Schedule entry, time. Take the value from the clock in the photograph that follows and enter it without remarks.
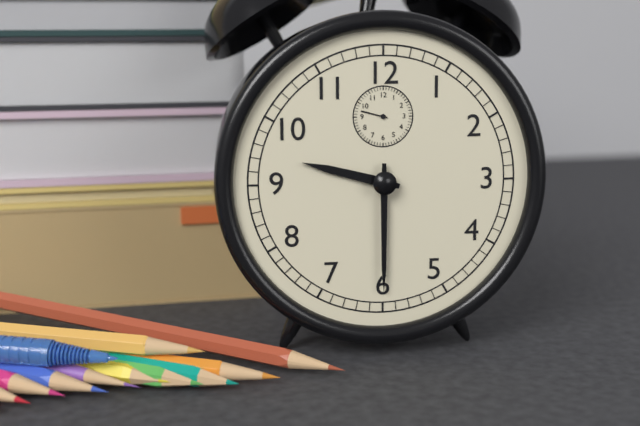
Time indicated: 9:30
